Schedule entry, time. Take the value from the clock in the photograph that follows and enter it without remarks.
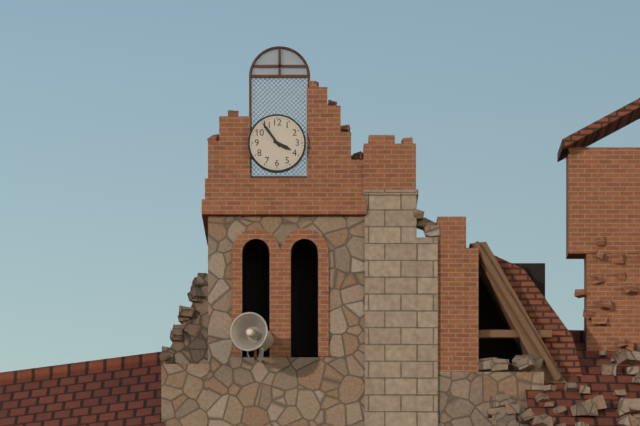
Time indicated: 3:54
